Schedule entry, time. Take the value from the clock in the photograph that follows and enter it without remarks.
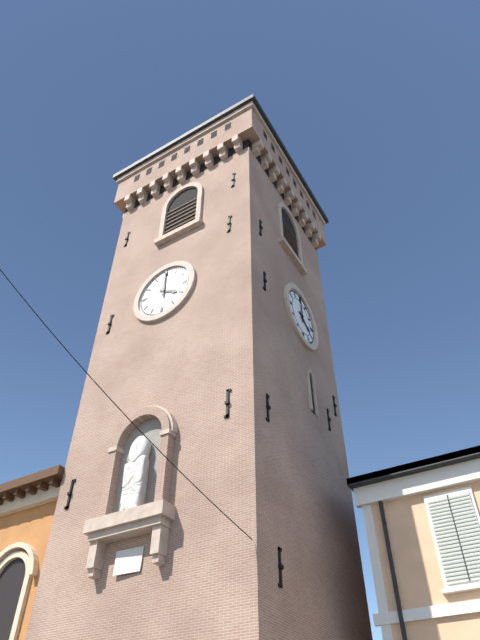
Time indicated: 4:00
